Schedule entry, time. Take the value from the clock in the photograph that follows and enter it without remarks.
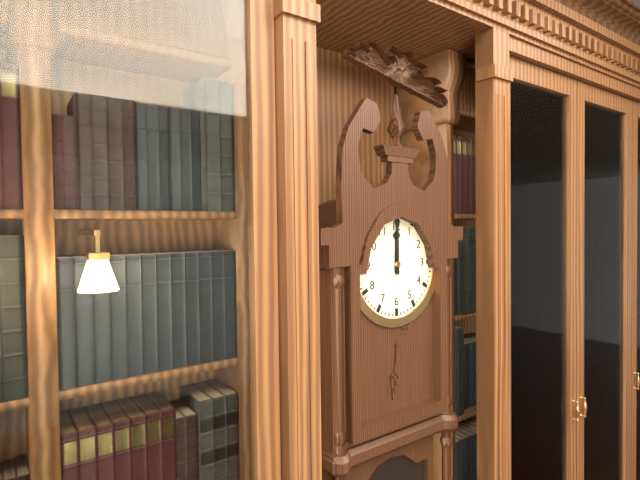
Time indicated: 12:00
